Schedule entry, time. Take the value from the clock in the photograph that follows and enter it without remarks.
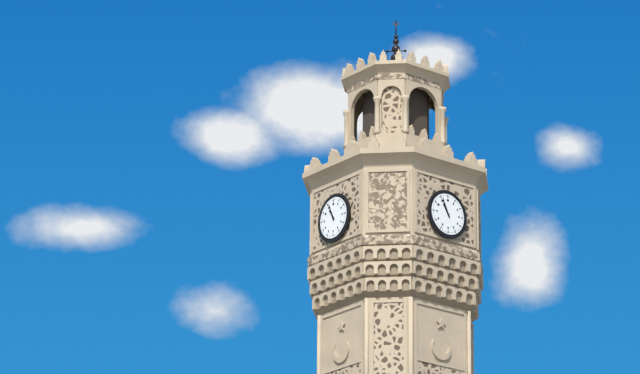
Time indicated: 10:56
